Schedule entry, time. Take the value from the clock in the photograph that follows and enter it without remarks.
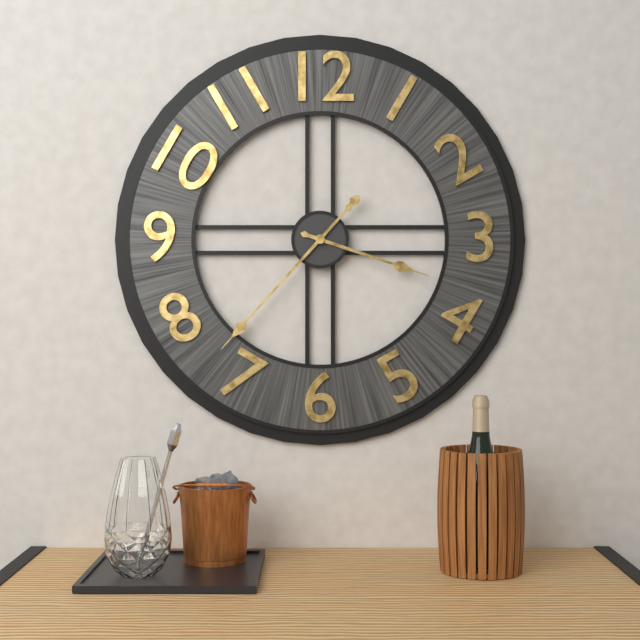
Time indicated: 3:37
